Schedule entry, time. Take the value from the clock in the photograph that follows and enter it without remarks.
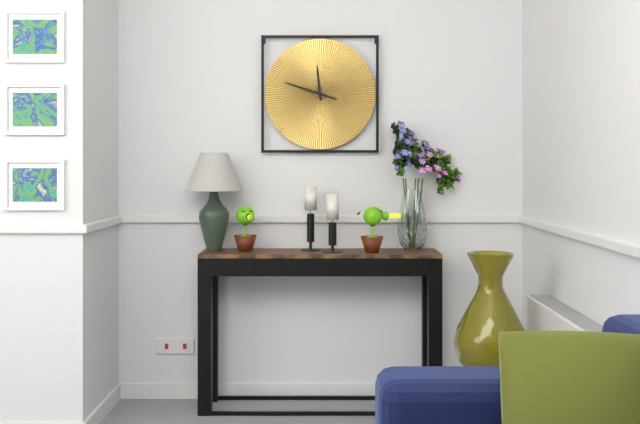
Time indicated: 11:48
